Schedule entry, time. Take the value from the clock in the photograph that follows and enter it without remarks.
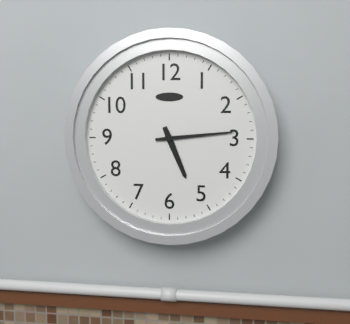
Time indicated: 5:14
